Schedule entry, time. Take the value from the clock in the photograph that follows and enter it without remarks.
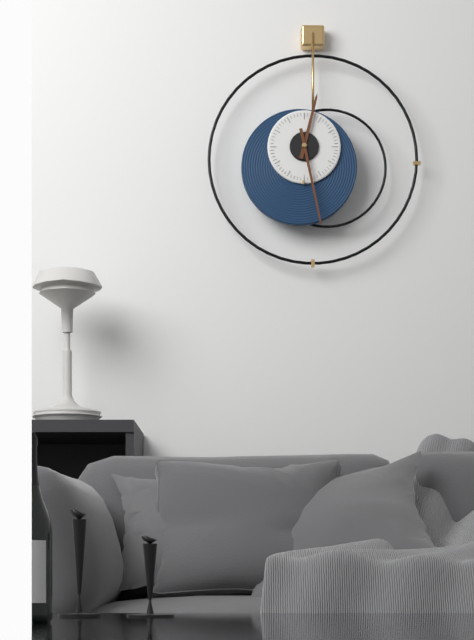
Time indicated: 12:28
